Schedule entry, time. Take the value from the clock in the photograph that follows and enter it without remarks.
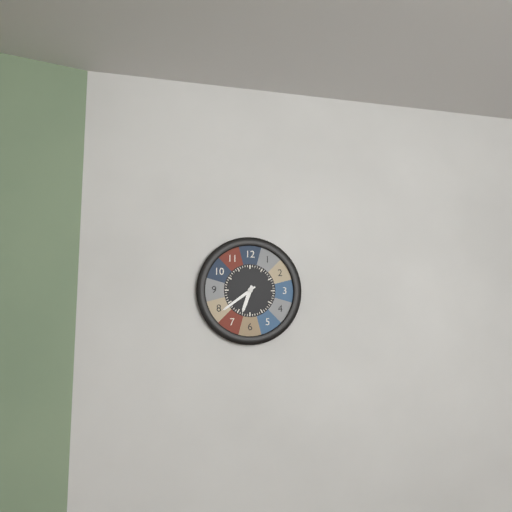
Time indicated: 6:39
